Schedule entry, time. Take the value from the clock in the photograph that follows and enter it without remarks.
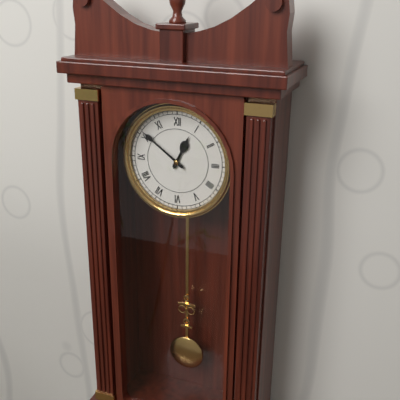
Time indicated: 12:51
